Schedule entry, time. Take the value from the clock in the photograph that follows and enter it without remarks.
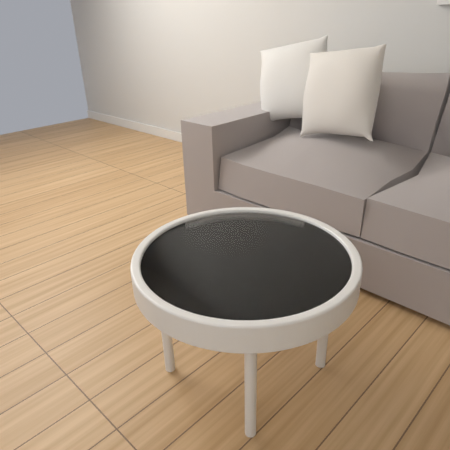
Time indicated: 9:57
